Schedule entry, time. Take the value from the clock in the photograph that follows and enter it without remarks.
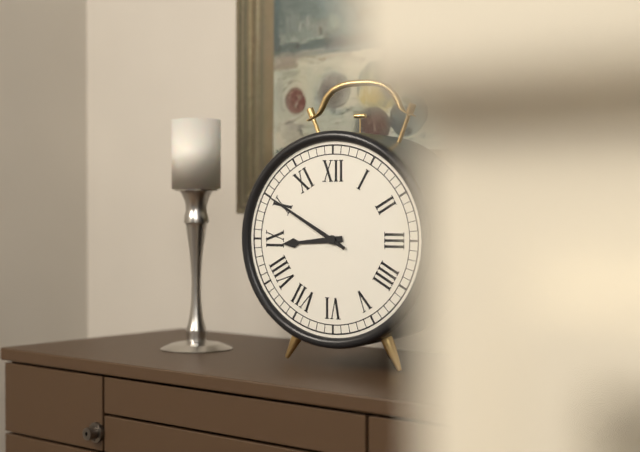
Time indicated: 8:50
